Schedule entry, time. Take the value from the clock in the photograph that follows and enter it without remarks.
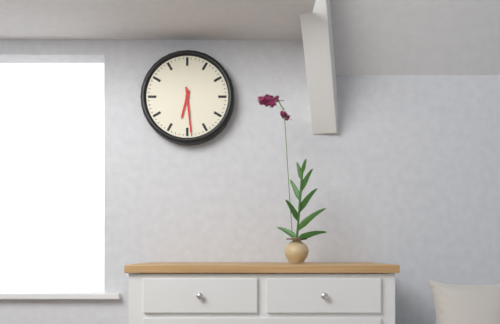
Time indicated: 6:29
